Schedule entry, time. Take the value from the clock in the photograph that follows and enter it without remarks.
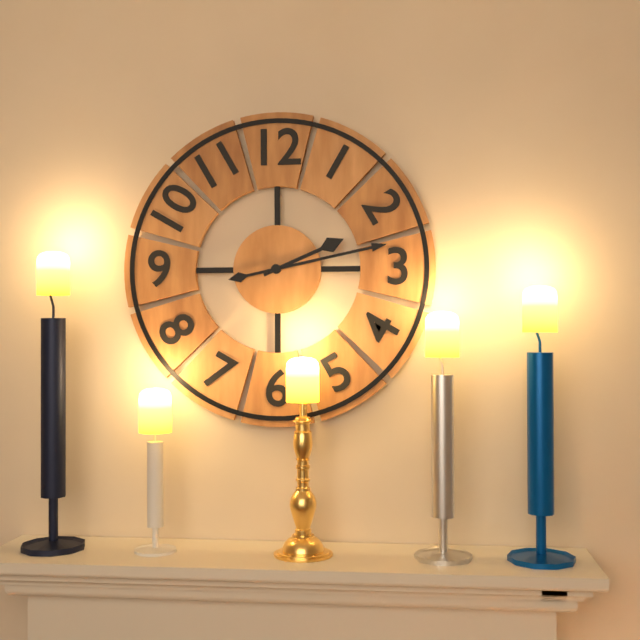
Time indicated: 2:13
